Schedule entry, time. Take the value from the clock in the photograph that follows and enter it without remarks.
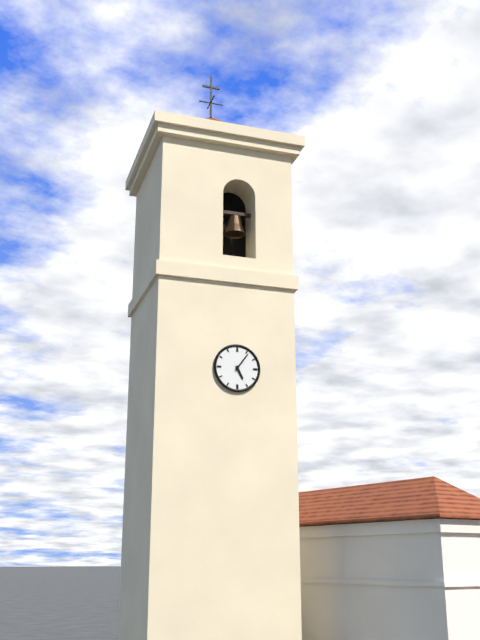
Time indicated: 5:06
